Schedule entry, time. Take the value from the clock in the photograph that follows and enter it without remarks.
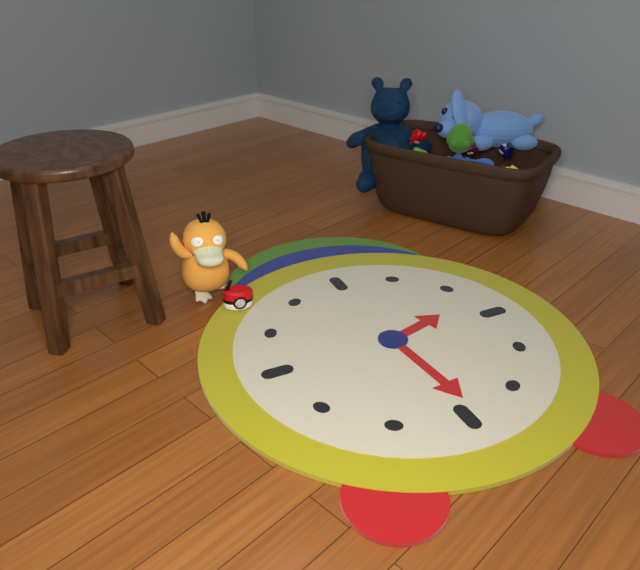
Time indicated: 2:29
